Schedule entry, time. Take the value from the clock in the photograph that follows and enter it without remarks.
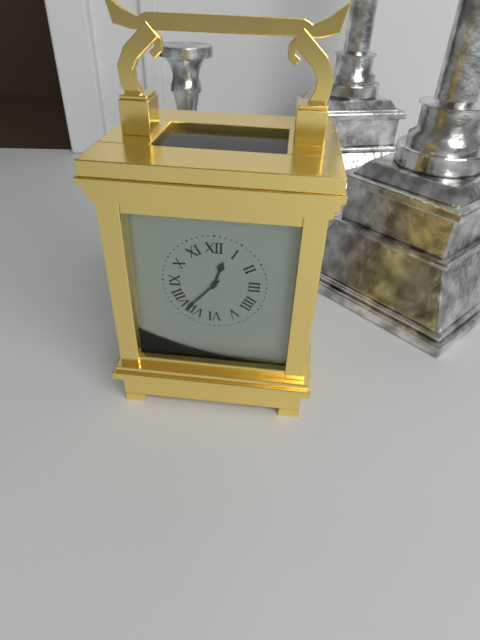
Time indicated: 12:37
